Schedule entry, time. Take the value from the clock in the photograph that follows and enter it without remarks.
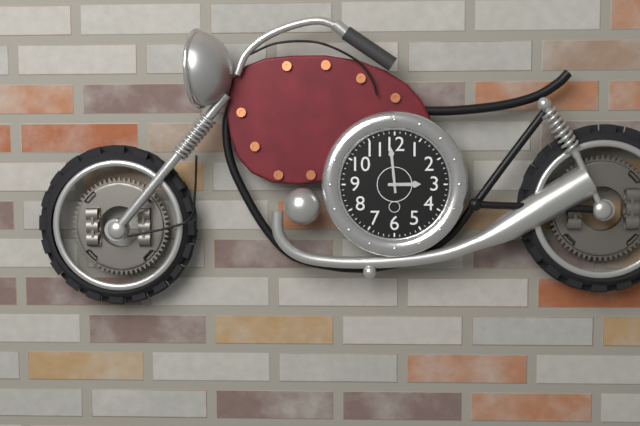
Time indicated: 2:59
